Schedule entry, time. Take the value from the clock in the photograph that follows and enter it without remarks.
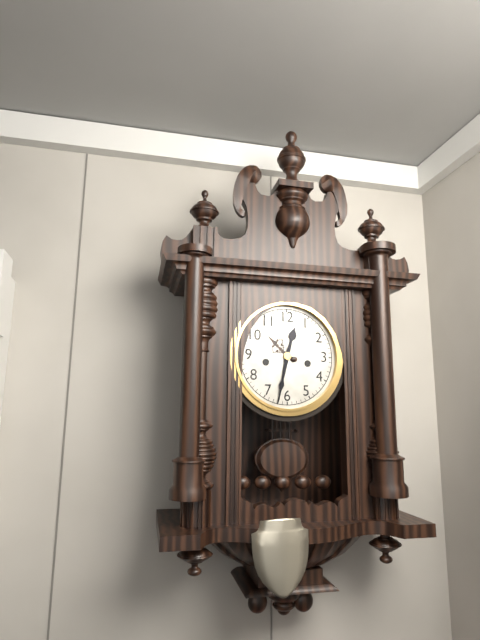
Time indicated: 12:32
